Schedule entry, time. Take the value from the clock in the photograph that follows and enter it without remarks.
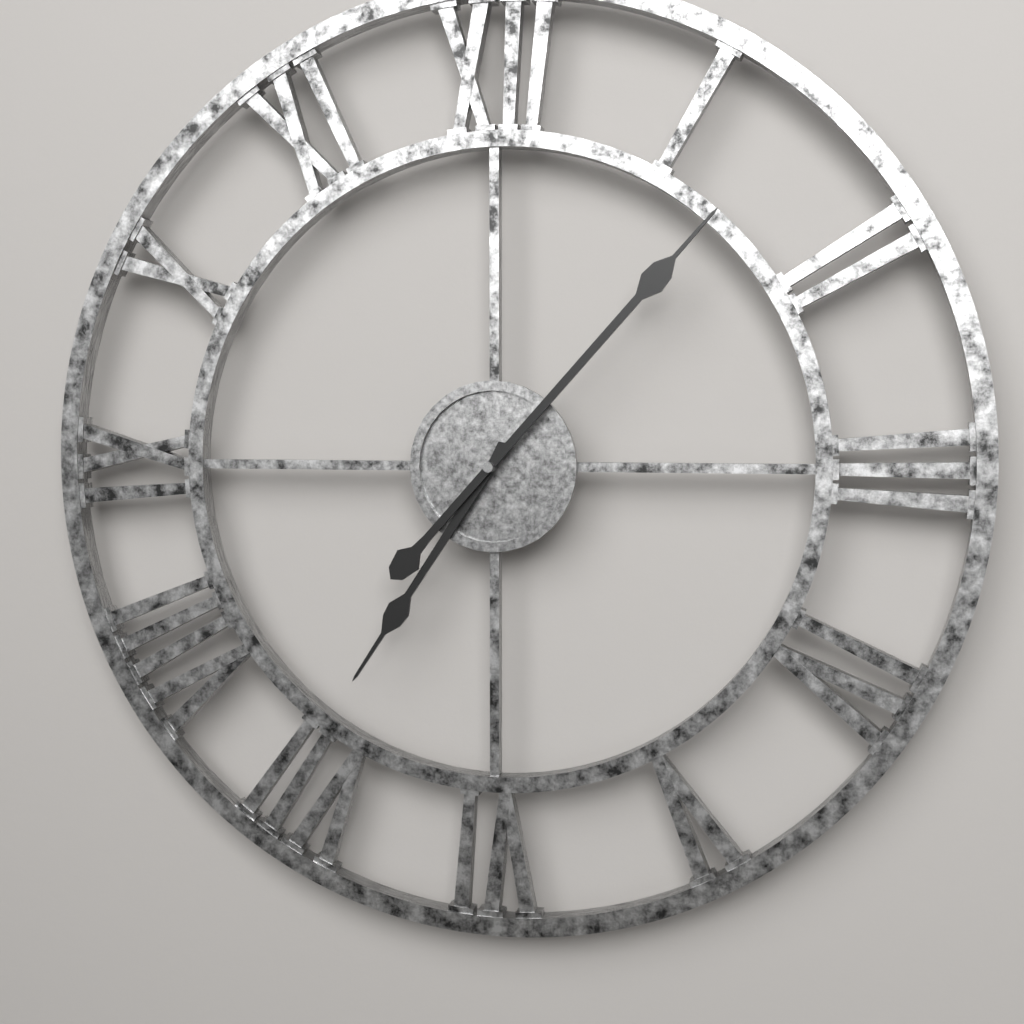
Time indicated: 7:07
